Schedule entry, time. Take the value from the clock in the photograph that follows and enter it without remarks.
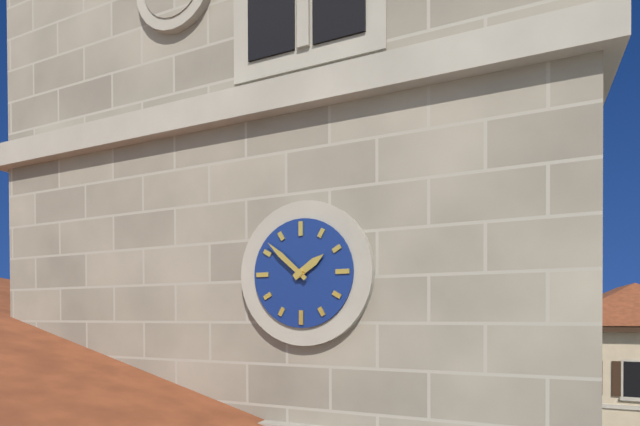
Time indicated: 1:52
